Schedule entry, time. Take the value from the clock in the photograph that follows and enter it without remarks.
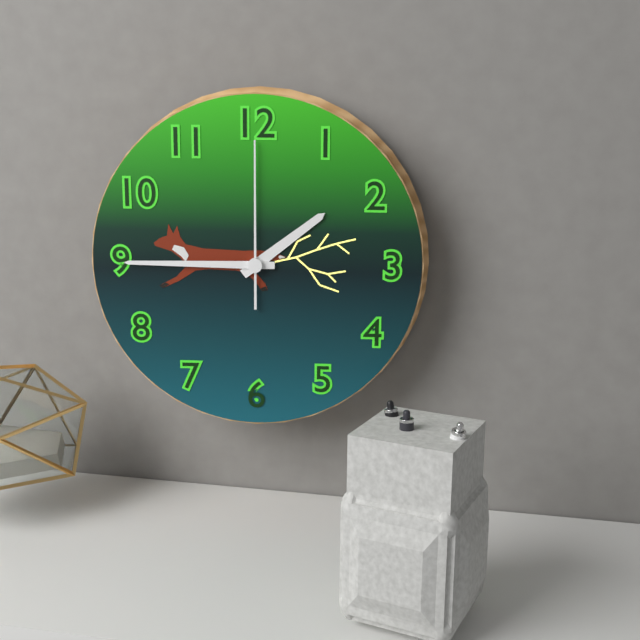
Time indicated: 1:45:00
